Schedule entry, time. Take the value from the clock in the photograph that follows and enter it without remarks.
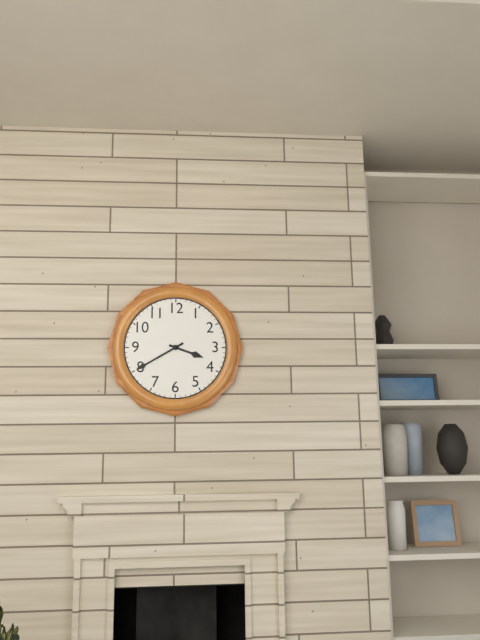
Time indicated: 3:40
